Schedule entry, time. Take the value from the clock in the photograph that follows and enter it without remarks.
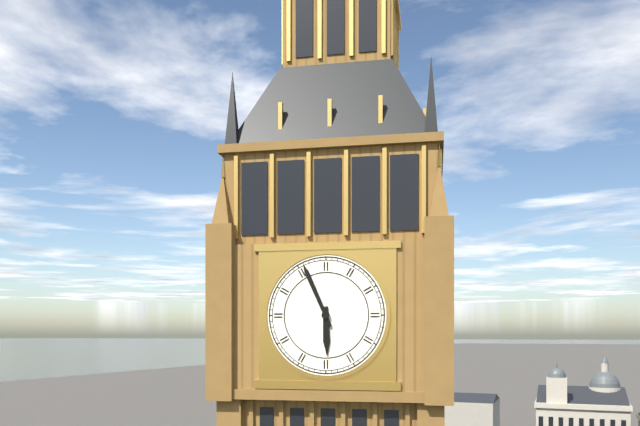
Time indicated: 5:56
